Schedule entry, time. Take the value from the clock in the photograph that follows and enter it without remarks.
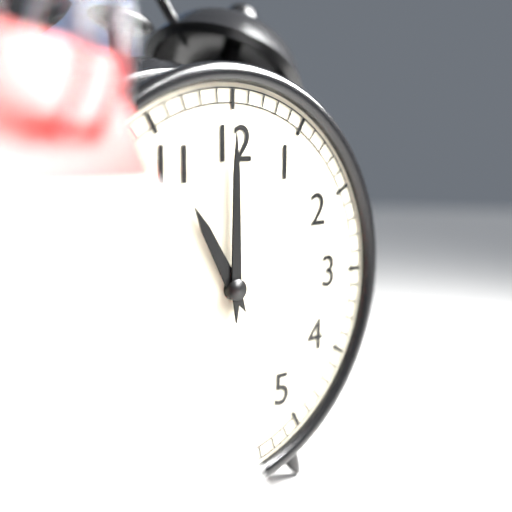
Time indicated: 11:00
